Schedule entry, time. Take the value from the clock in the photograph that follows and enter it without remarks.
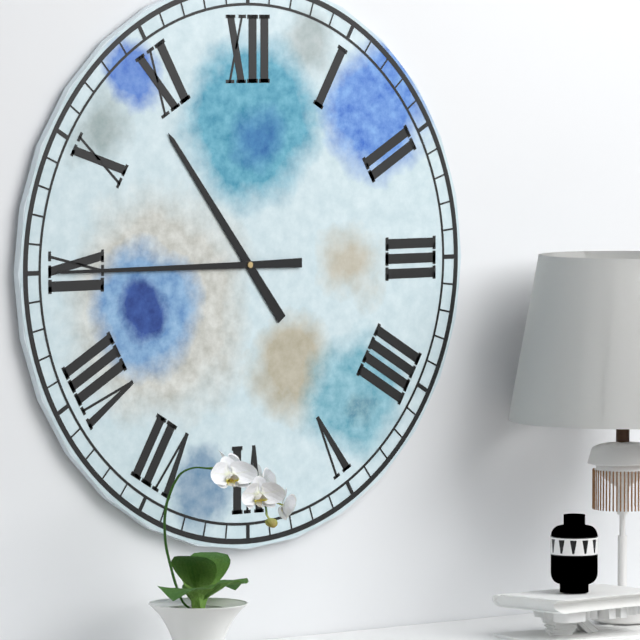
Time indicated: 10:45
